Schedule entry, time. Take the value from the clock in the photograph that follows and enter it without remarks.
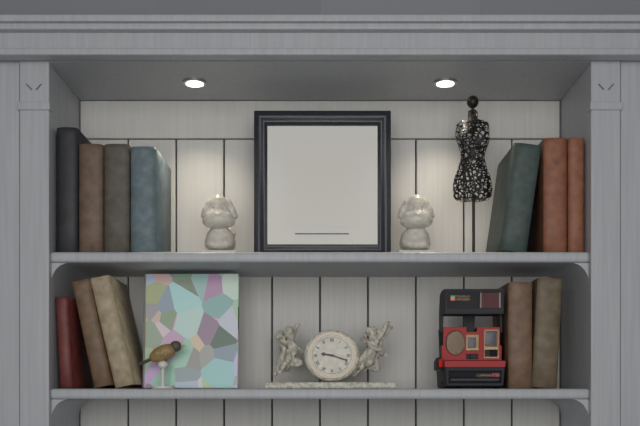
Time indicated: 9:18
